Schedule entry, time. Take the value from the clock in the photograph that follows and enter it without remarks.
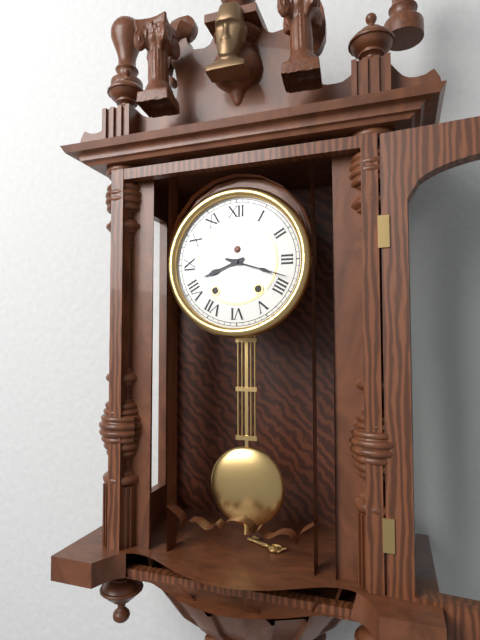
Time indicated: 8:18
